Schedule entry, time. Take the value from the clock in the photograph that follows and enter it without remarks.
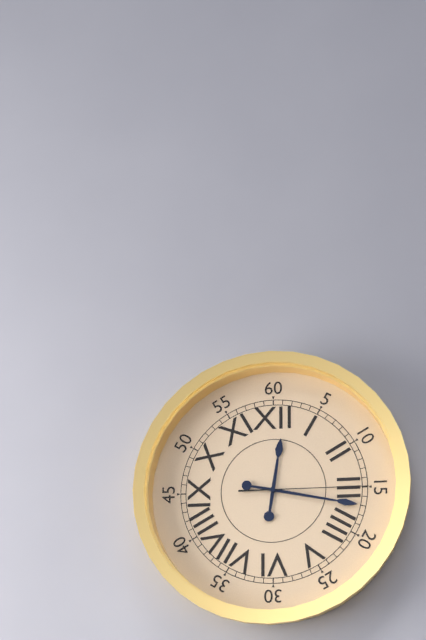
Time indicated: 12:17:15
